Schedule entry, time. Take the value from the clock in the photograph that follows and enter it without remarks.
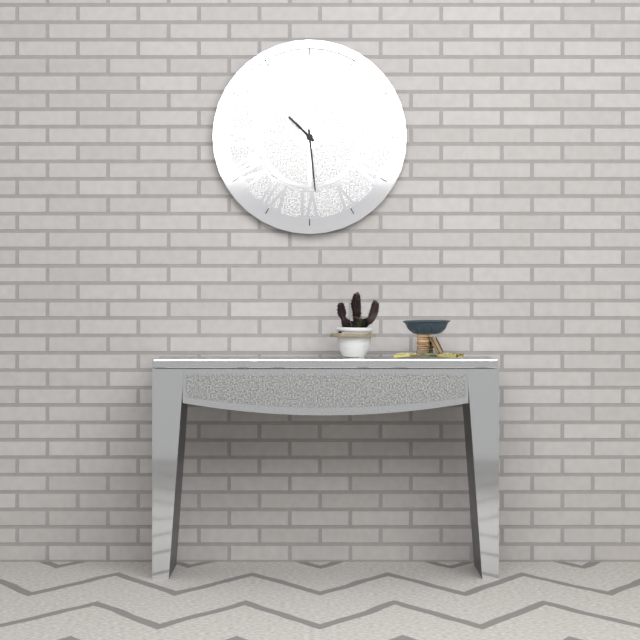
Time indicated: 10:29
